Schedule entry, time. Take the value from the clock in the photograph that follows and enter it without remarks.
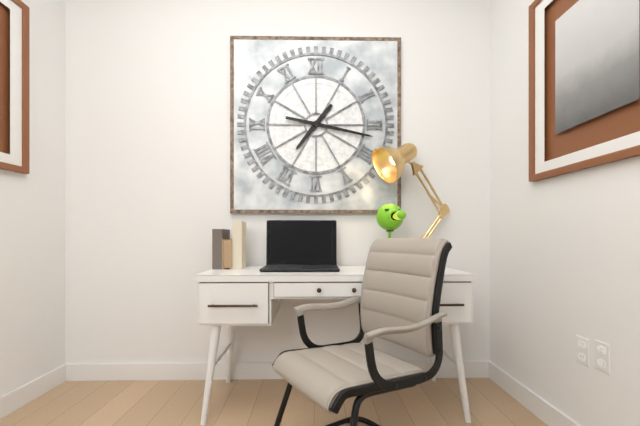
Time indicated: 7:17
